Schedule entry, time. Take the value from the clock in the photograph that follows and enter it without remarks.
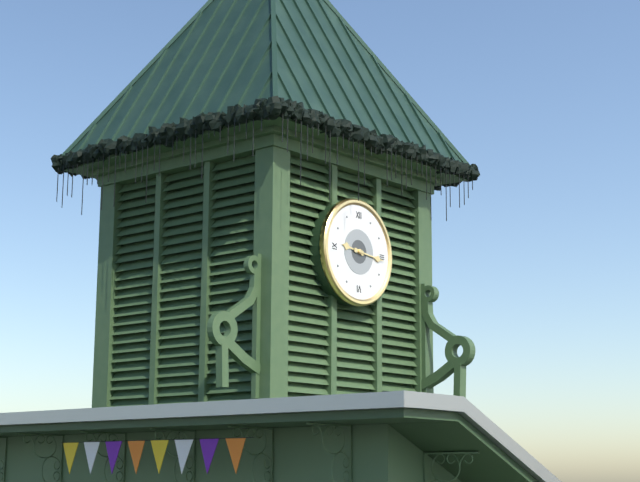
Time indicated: 9:16
